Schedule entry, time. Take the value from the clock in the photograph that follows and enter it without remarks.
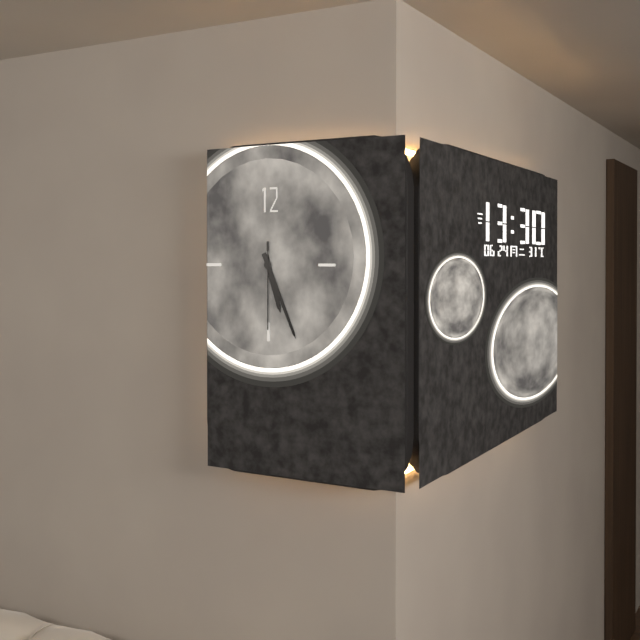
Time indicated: 5:26:30
